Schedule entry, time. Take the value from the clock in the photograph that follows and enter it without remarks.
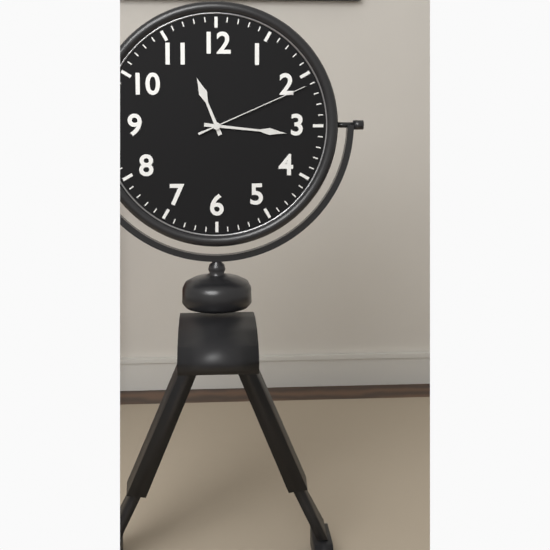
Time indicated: 11:16:11
